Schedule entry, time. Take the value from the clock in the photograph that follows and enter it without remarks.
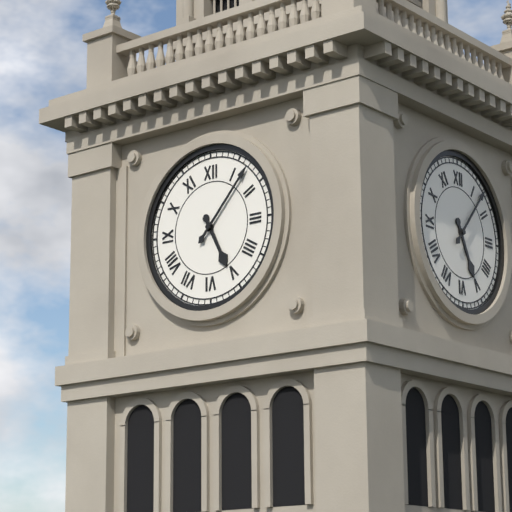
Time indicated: 5:07
